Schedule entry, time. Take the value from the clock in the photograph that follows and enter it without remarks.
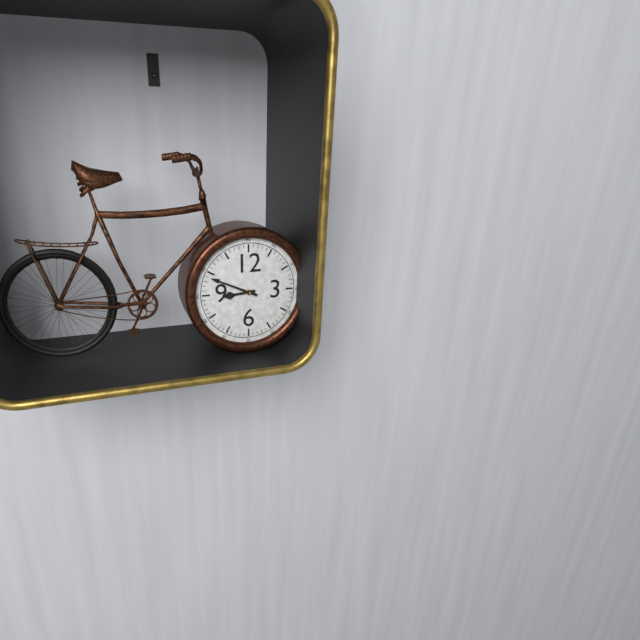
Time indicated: 8:49
